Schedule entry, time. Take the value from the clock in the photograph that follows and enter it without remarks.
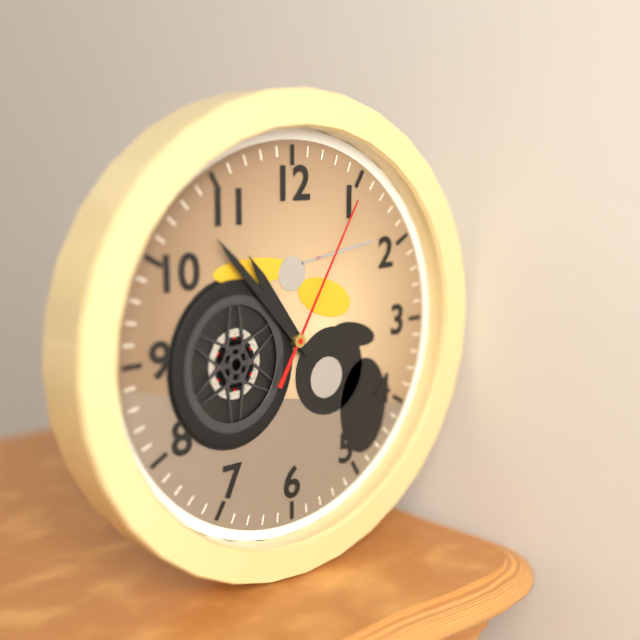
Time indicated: 10:53:05
